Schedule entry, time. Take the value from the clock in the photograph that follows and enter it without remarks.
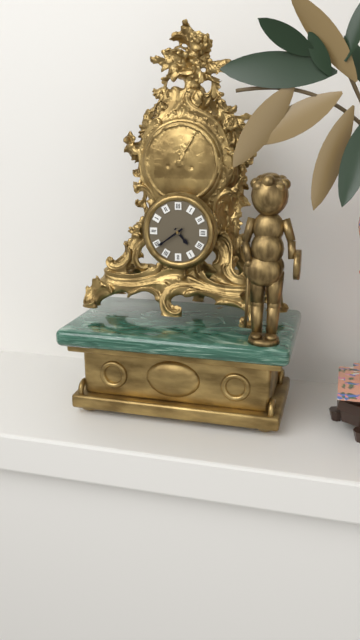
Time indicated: 4:39
